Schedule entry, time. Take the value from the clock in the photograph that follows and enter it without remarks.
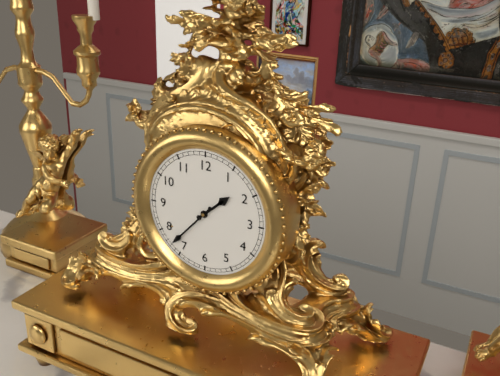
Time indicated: 1:37
